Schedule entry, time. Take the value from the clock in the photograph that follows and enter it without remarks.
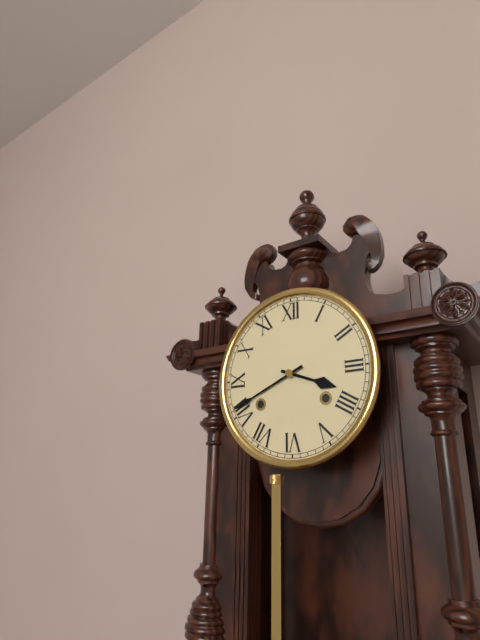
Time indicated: 3:41
